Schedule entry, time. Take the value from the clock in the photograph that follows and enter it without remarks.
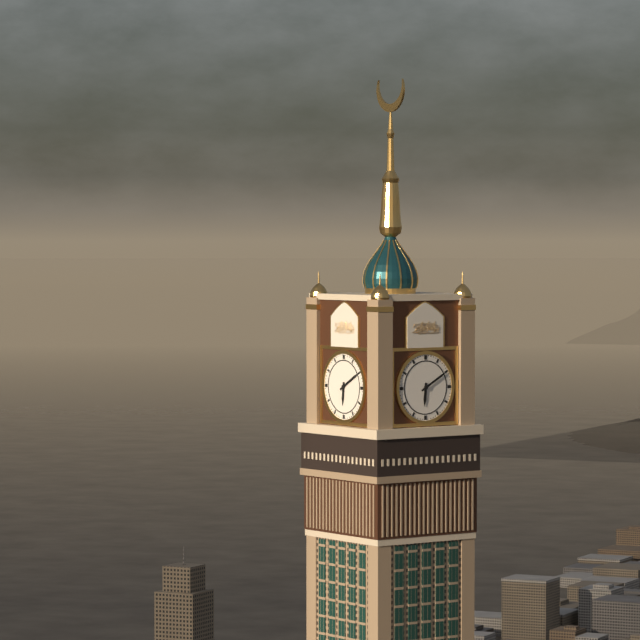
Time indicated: 6:10
